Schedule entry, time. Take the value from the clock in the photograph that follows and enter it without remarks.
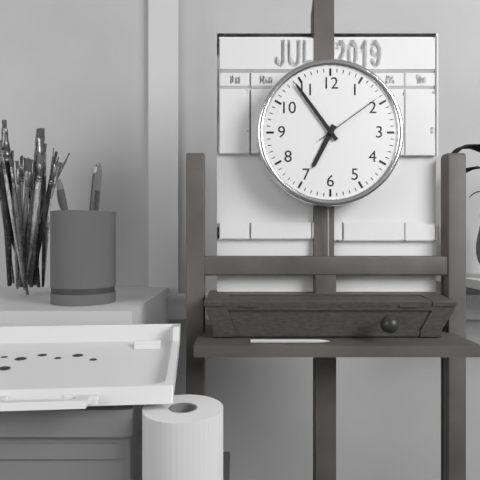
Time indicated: 6:54:09
